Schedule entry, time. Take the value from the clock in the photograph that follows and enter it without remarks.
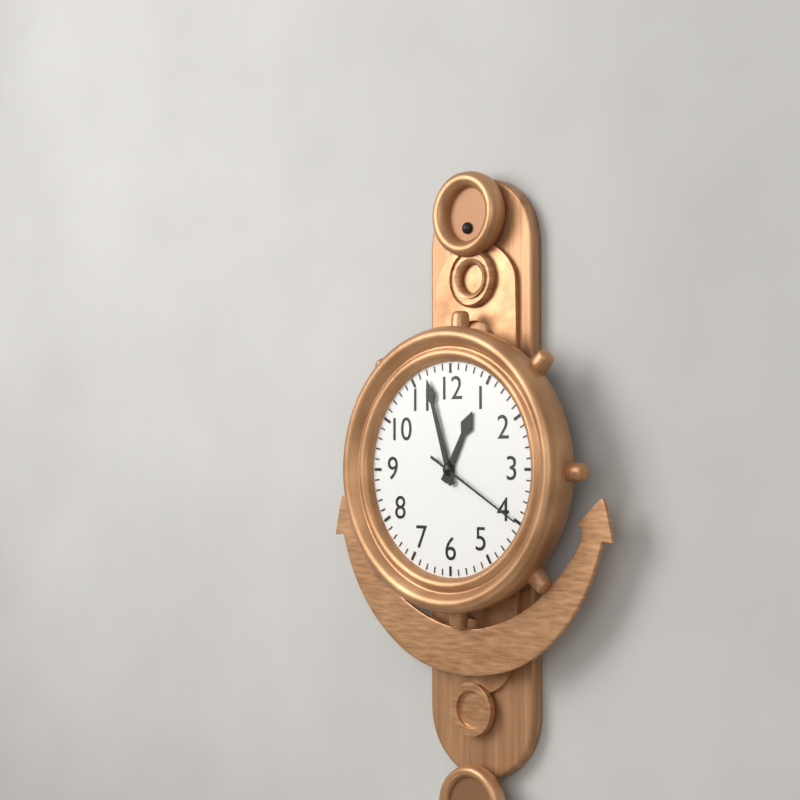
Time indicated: 12:57:20
